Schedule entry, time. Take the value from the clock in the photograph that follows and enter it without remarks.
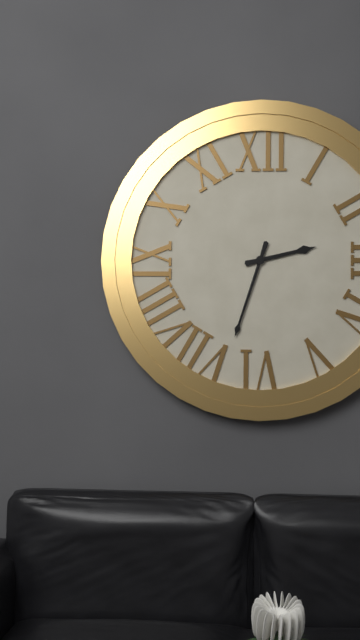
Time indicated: 2:33
